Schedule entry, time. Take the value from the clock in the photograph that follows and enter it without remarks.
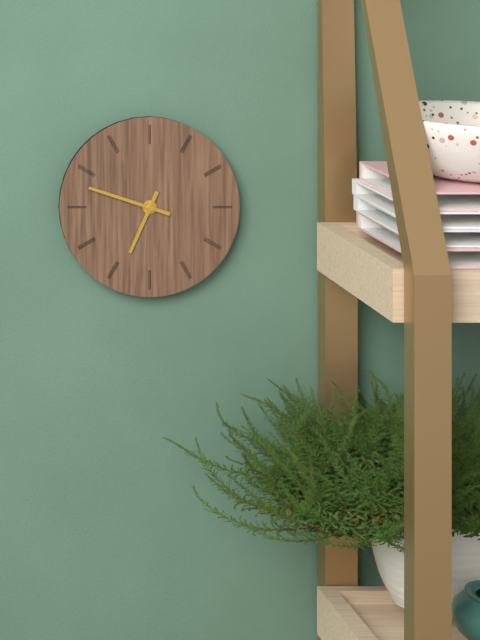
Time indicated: 6:48
